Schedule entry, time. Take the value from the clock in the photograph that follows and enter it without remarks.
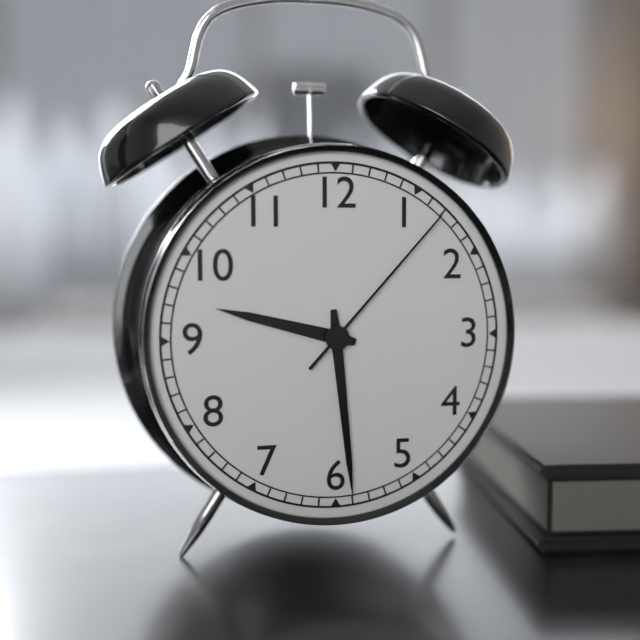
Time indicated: 9:29:07
